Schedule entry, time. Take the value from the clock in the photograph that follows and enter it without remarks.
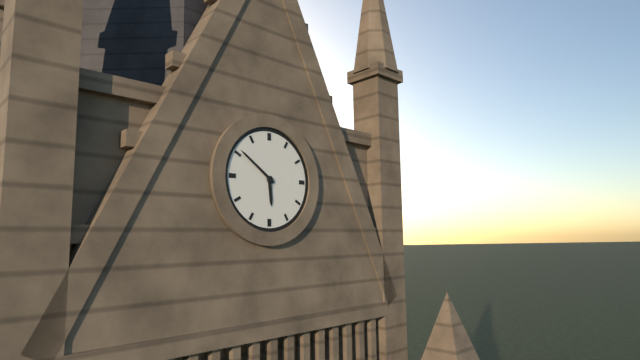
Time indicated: 5:51
